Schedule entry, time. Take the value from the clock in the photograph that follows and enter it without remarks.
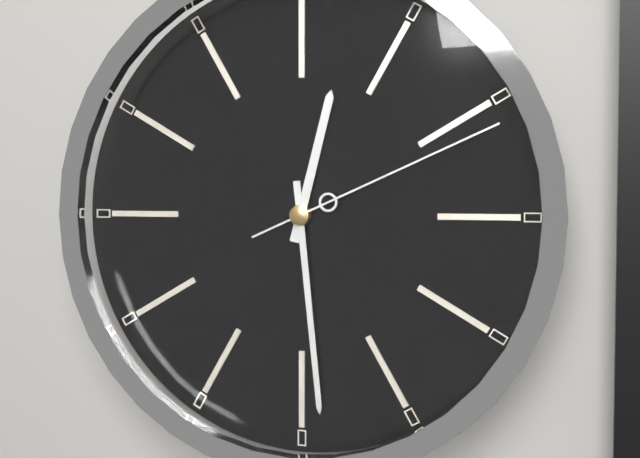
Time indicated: 12:29:11
